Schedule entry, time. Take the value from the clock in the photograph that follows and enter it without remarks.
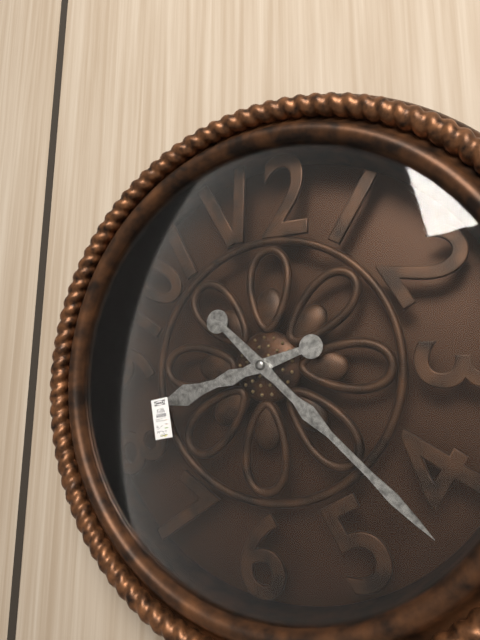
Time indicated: 8:22
